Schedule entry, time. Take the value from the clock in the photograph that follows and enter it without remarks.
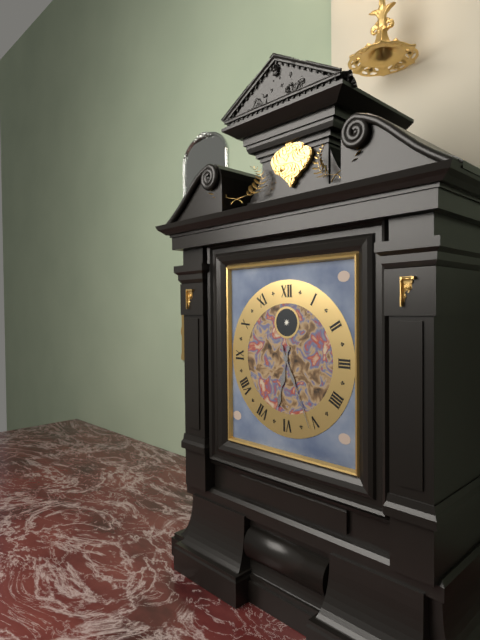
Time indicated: 6:26
